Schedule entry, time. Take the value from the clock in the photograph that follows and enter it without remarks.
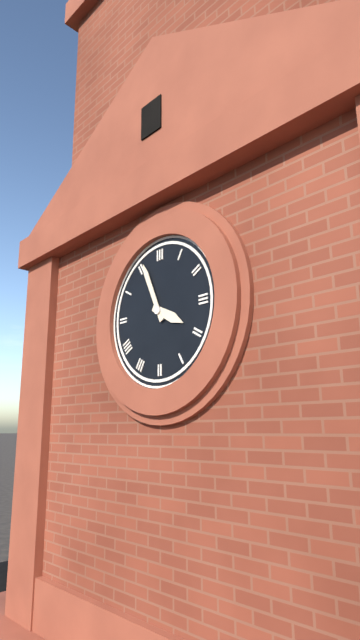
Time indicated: 3:56
